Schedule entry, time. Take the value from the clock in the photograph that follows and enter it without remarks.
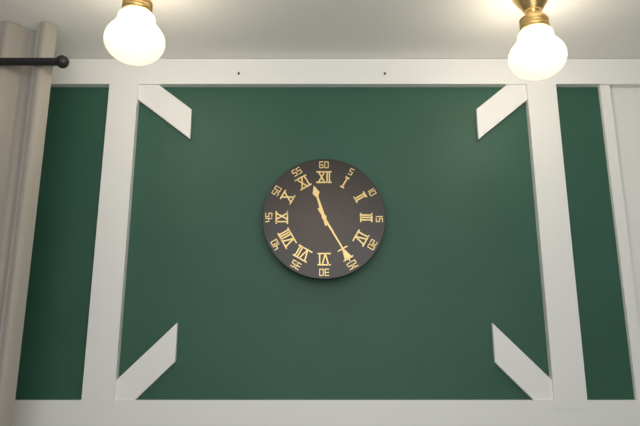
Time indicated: 11:25
